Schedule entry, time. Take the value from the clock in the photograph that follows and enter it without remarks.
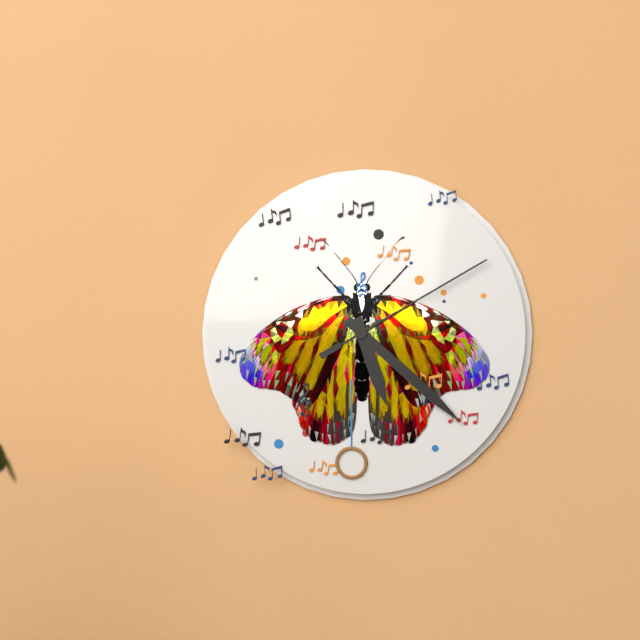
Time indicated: 5:22:10
